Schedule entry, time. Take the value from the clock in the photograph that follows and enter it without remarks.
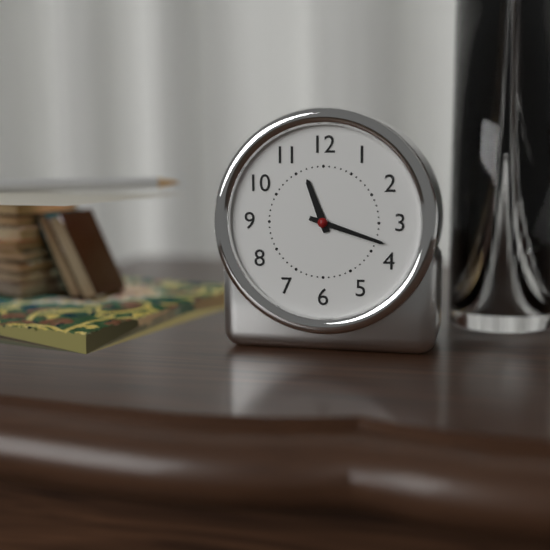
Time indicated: 11:18
